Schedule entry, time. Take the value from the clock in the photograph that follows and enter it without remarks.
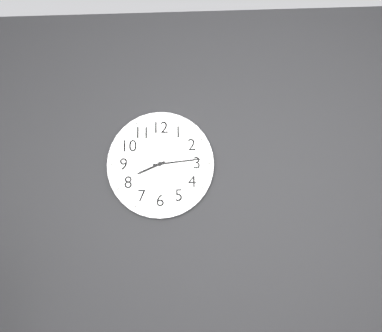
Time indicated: 8:14
